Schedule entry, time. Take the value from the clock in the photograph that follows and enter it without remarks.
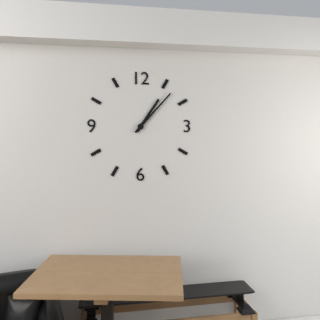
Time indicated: 1:07
